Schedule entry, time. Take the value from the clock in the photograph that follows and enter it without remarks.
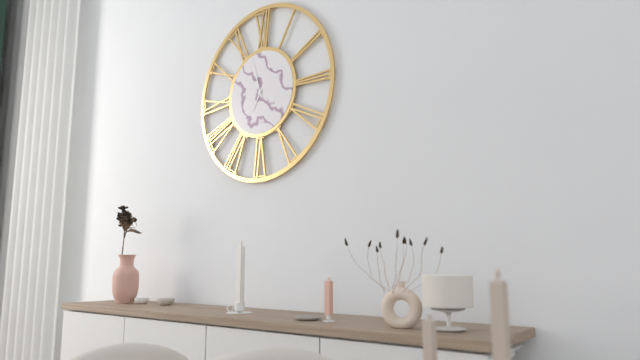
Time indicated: 6:57
